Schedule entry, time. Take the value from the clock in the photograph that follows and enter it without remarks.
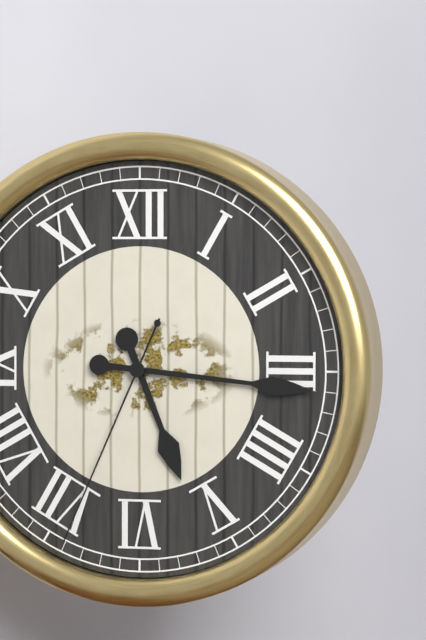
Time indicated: 5:16:34
